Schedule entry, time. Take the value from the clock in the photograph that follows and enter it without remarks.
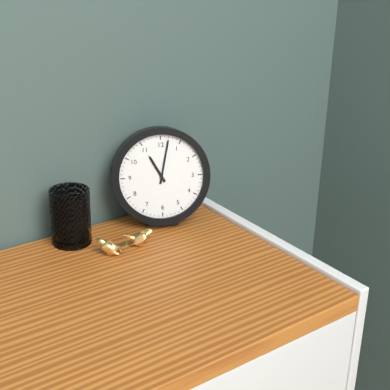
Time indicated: 11:02
